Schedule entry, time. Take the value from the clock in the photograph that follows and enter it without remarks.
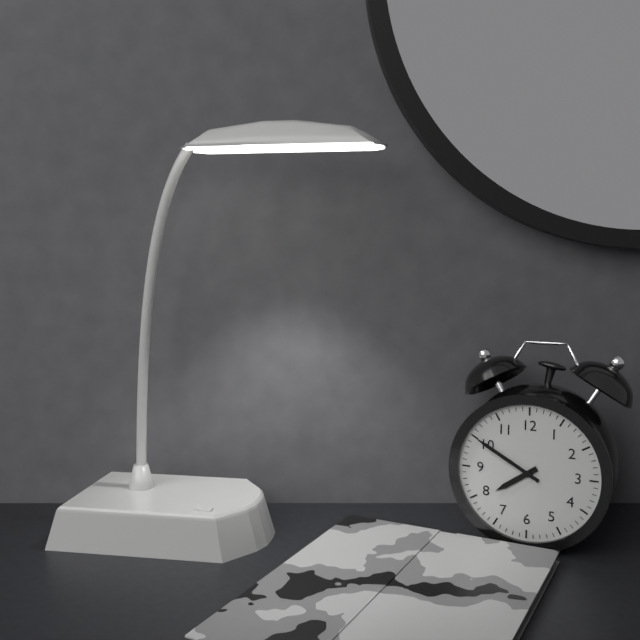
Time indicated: 7:50
